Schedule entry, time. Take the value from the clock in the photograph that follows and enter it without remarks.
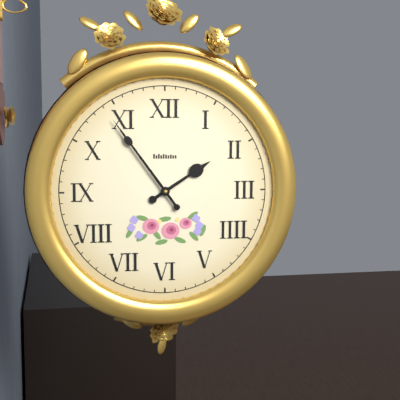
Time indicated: 1:54
